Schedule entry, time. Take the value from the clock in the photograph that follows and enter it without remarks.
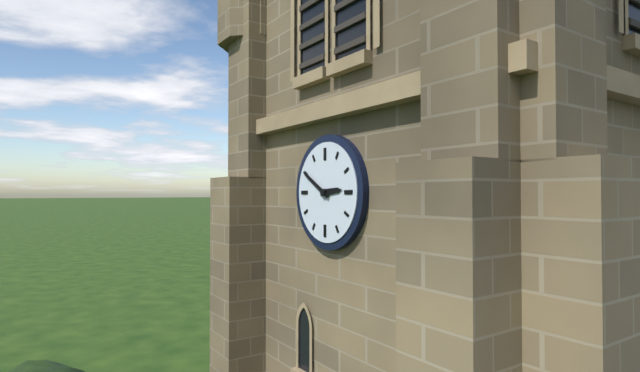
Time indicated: 2:50
